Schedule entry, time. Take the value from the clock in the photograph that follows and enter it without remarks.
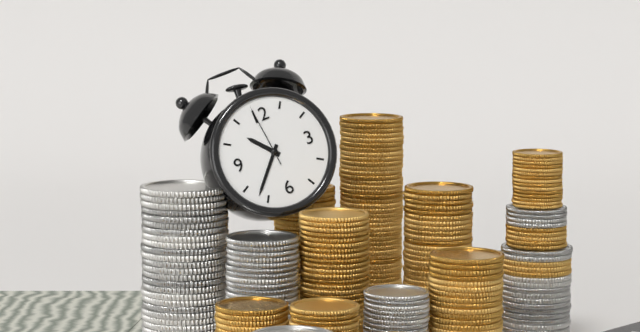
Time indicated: 10:37:59
